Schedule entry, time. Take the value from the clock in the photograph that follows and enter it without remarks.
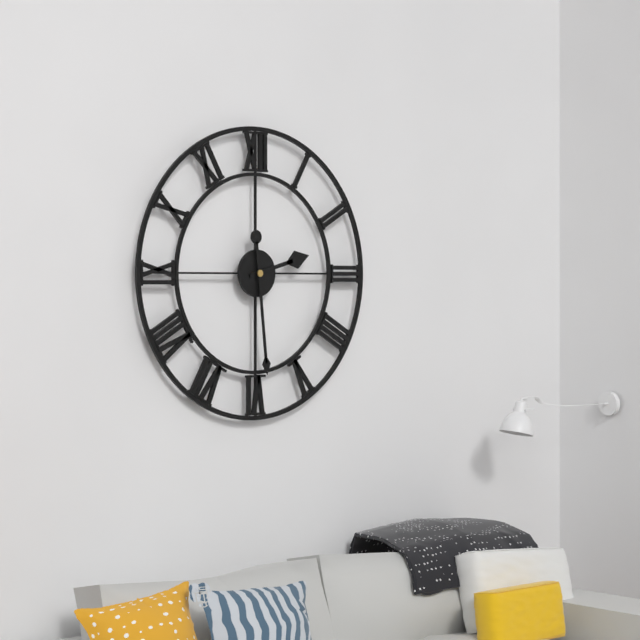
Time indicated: 2:29
